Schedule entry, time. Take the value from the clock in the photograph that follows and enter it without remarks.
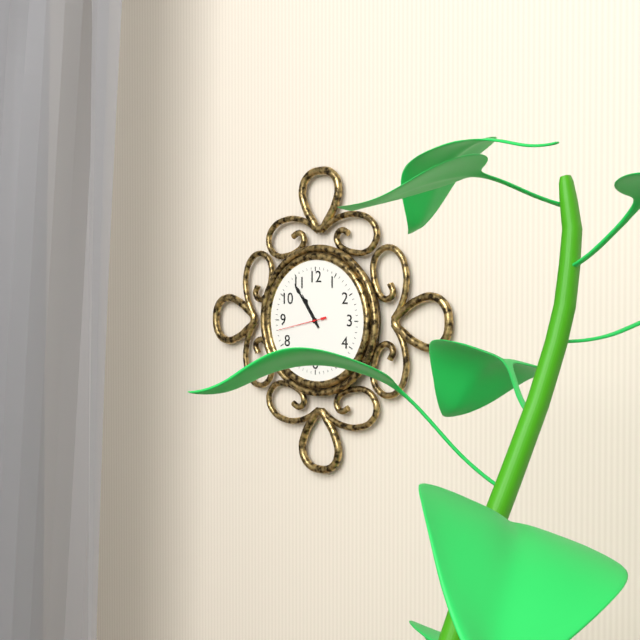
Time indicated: 10:54
